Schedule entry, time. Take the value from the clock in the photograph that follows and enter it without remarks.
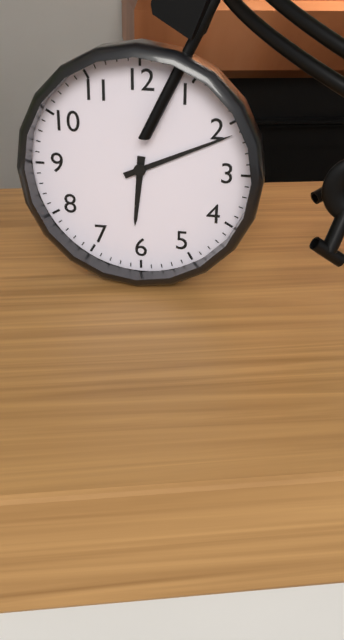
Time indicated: 6:11
